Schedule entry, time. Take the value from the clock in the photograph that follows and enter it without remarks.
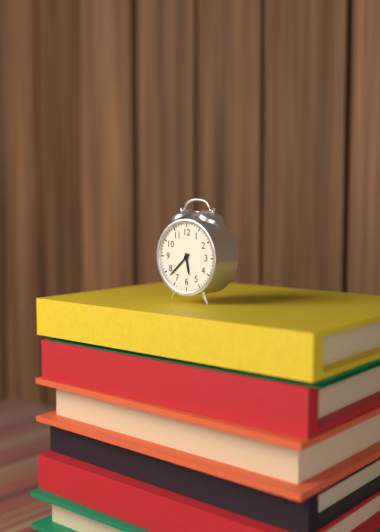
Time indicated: 5:38
